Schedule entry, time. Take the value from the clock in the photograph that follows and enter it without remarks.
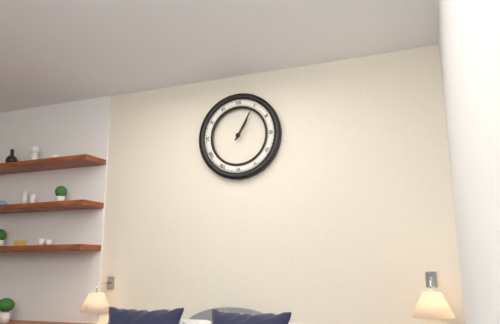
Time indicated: 1:05
